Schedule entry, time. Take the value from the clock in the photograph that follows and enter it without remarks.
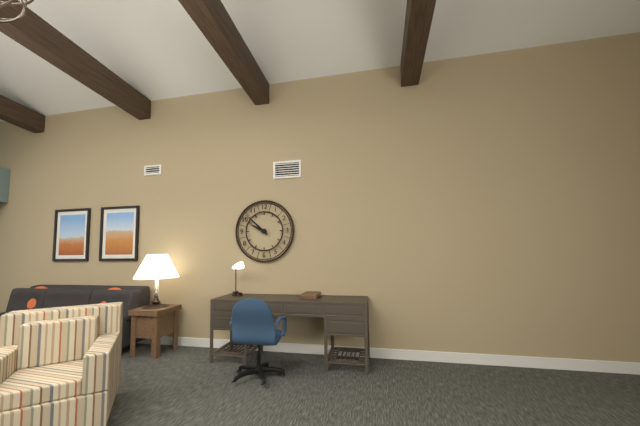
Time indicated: 9:52
